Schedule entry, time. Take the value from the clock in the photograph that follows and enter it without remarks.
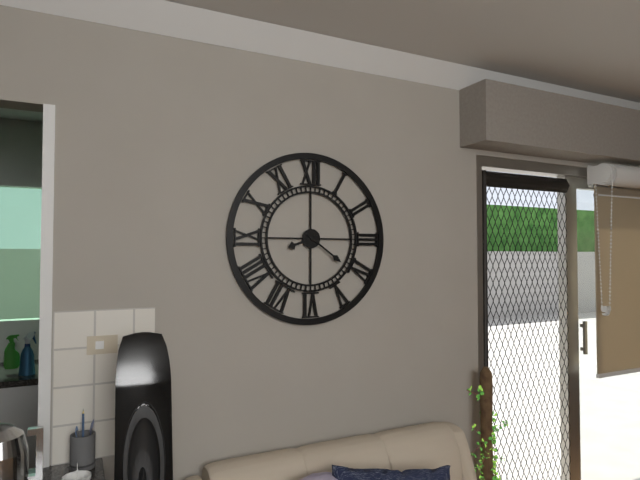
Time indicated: 8:21
